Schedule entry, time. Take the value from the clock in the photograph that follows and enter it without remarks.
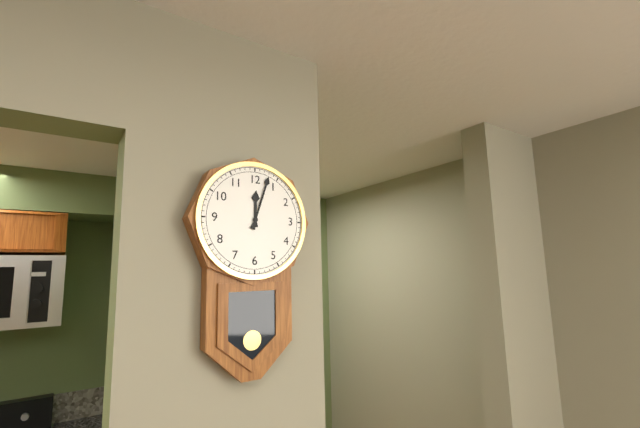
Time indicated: 12:03
